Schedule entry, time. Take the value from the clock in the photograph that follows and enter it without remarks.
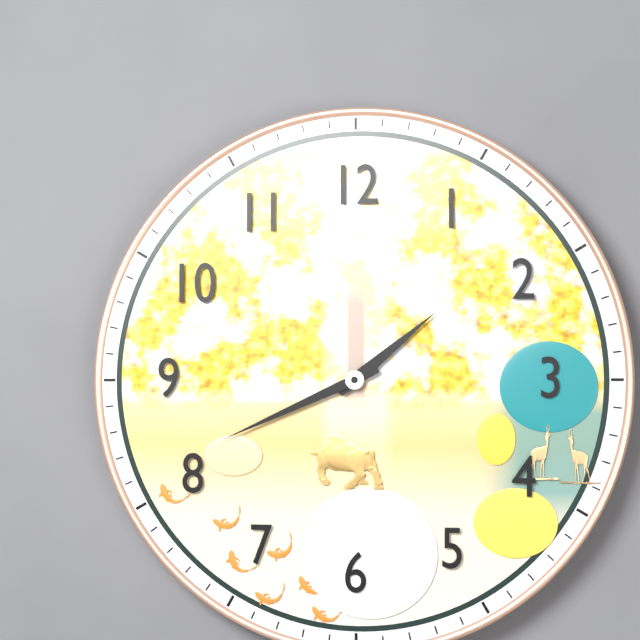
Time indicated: 1:41
